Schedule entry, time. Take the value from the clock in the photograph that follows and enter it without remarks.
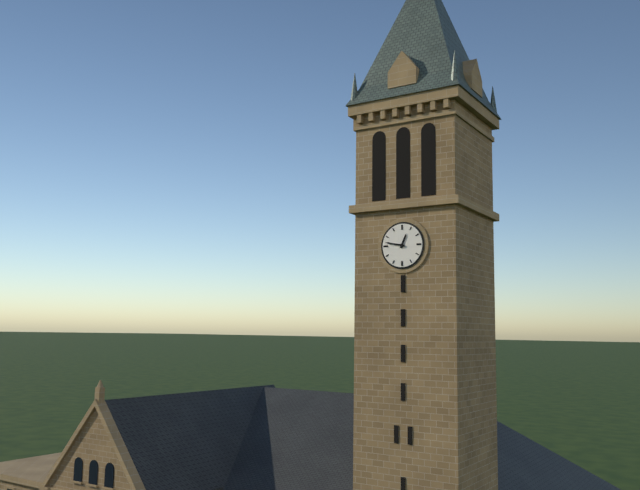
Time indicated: 12:47
